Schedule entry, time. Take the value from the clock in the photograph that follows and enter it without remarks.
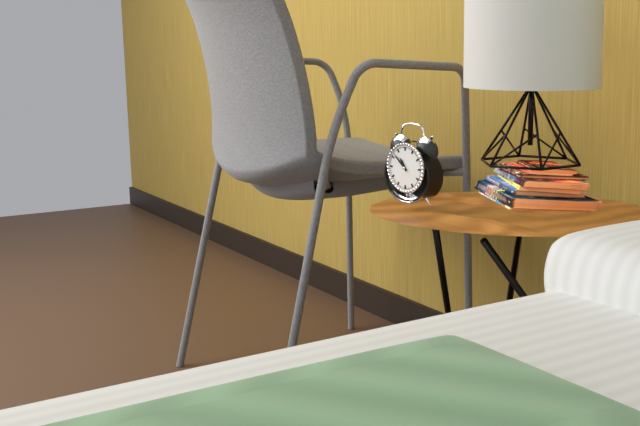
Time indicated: 10:52
